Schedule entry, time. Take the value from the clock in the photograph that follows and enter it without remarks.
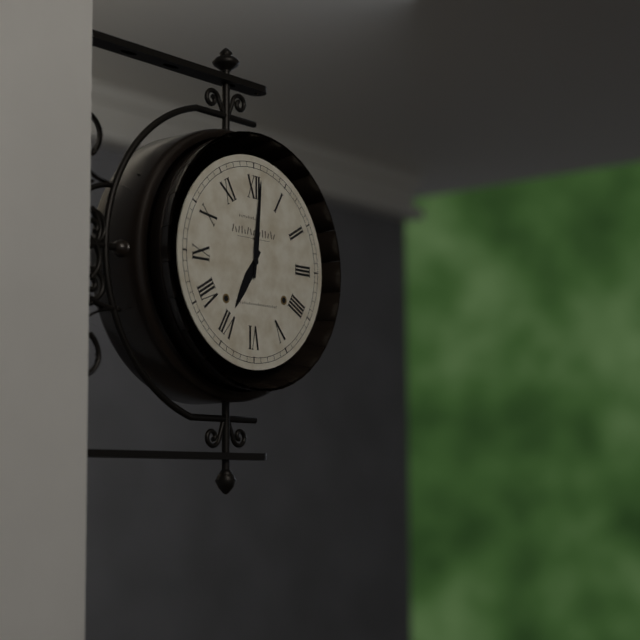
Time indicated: 7:01
